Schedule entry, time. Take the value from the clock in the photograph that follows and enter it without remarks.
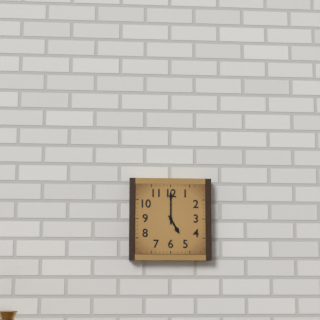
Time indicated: 5:00
